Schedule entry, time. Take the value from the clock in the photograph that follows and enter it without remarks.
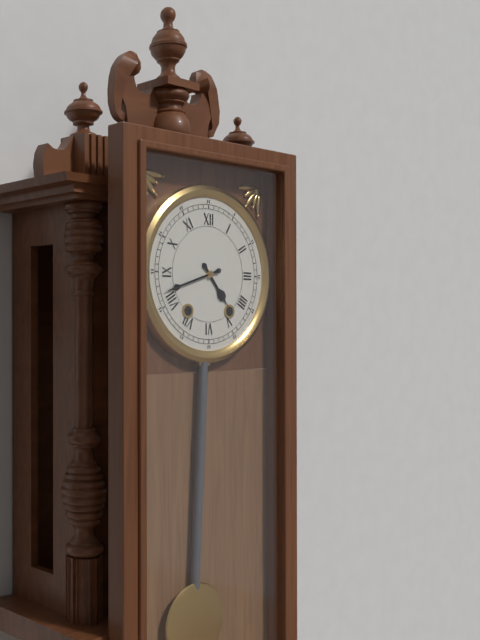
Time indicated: 4:42
